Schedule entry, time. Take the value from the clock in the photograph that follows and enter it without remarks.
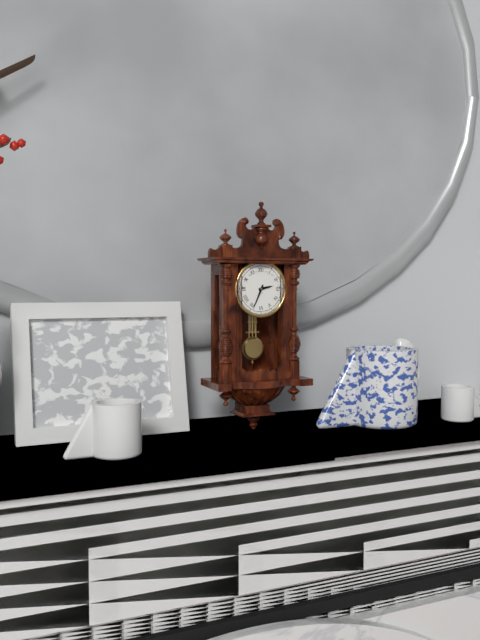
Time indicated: 2:34
